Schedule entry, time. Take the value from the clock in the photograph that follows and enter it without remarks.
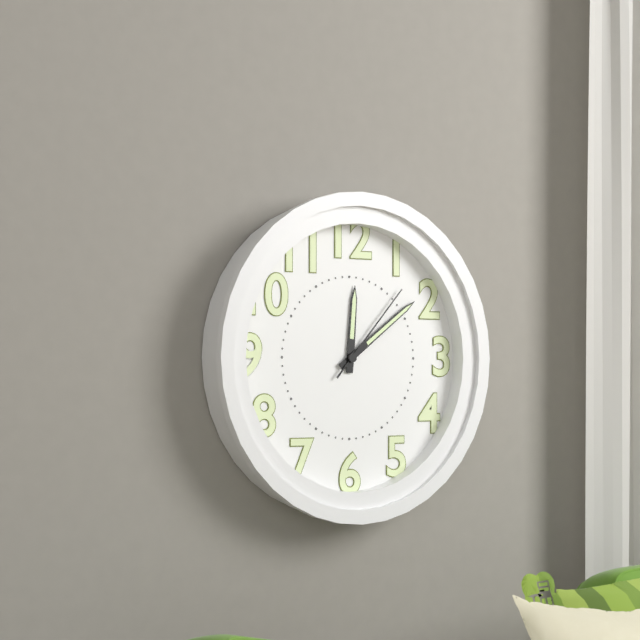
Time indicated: 12:09:07
